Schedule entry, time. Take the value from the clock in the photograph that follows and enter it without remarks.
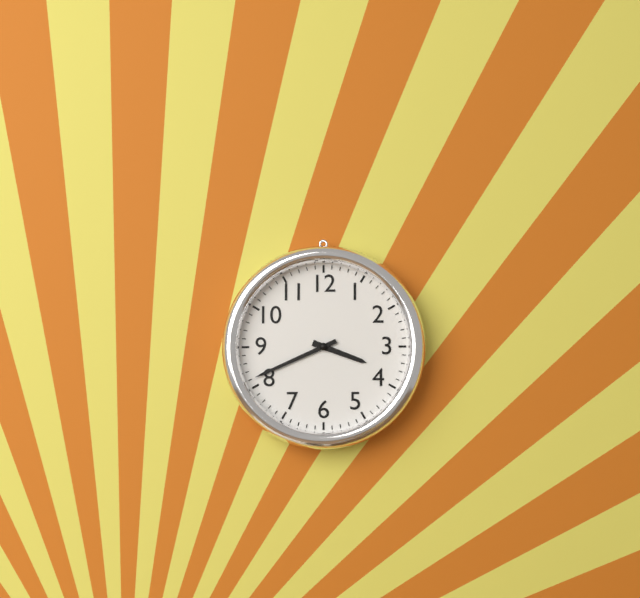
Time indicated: 3:41
